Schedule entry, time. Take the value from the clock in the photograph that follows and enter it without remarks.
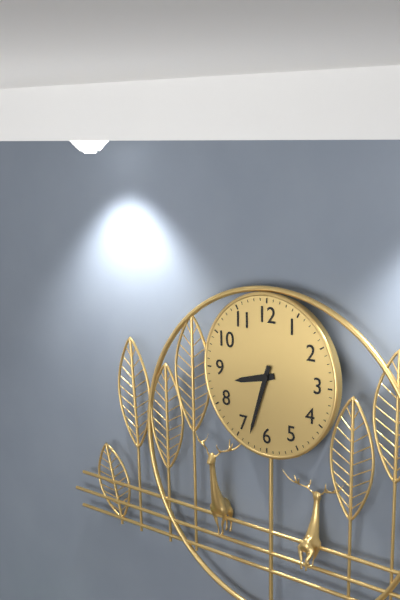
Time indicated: 8:33
